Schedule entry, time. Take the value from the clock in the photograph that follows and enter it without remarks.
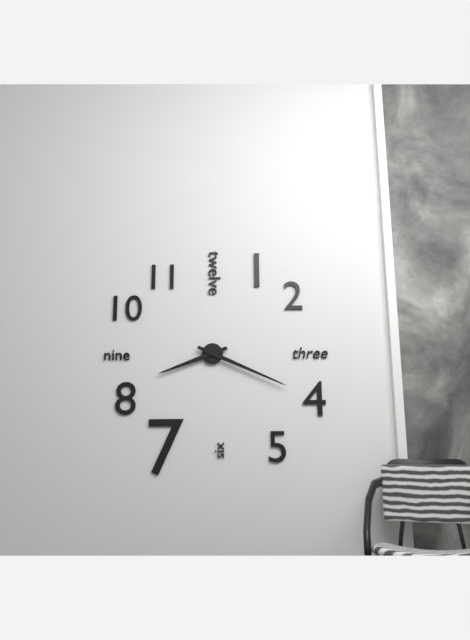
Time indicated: 8:19
